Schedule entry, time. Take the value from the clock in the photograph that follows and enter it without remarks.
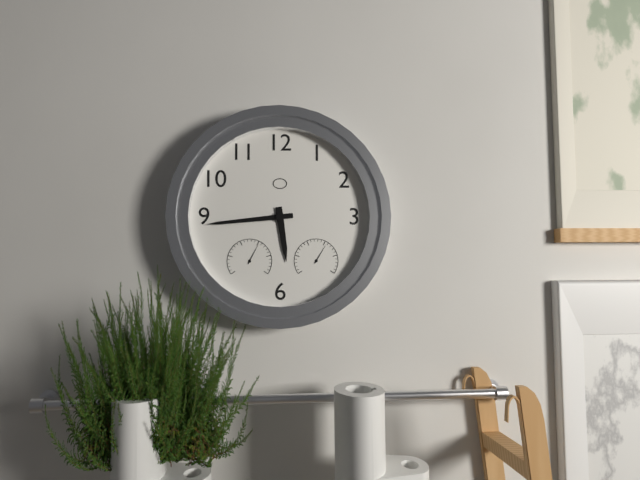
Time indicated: 5:44
